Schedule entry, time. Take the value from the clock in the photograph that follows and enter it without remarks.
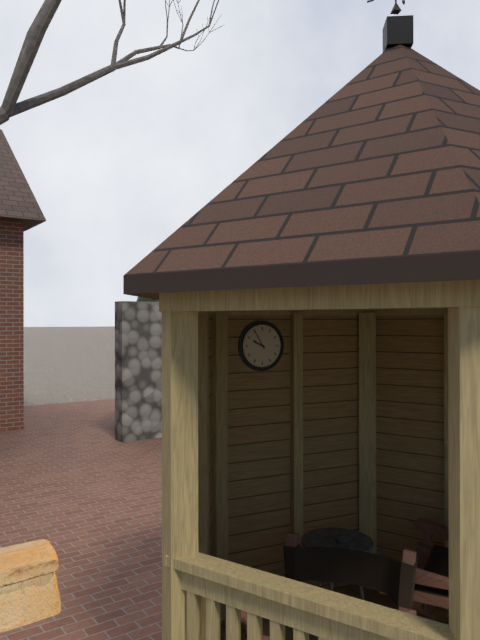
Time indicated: 9:55
